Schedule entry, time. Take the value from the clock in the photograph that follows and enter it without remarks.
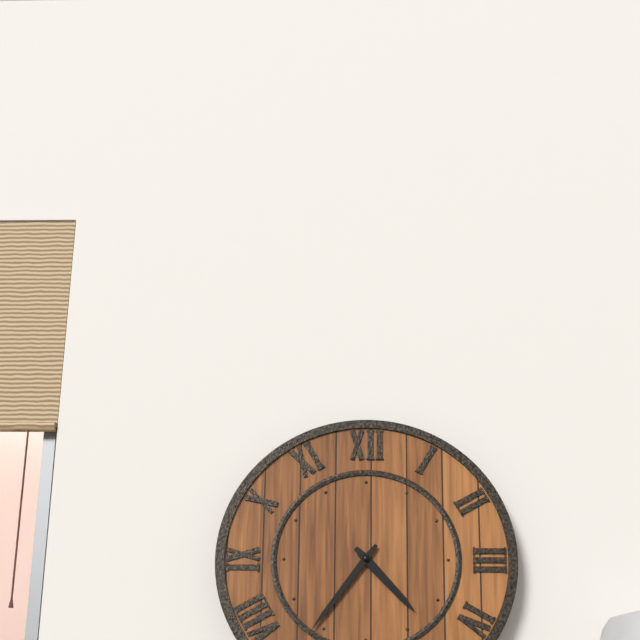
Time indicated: 4:36
